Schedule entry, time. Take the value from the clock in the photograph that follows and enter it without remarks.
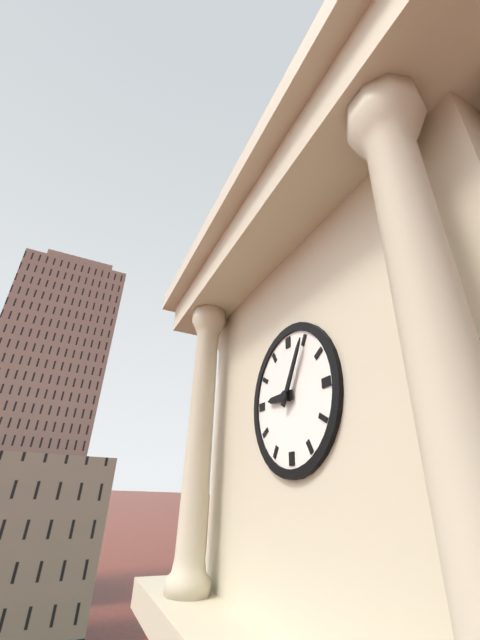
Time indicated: 9:05
